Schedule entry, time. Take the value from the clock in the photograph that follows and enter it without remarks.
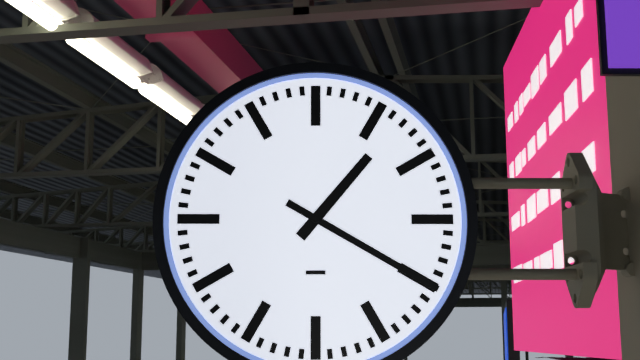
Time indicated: 1:20
